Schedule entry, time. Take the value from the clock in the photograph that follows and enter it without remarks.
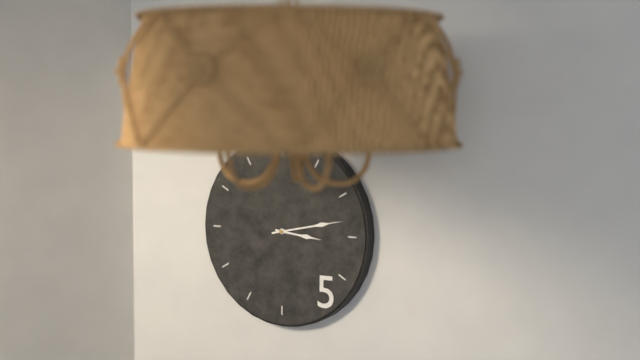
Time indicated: 3:13
